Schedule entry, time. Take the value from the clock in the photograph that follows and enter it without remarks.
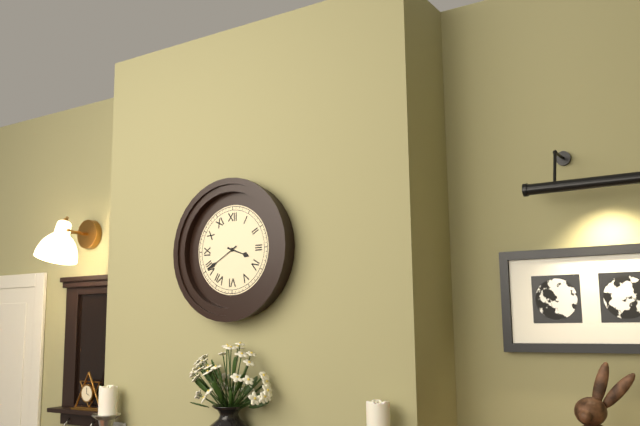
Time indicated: 3:40
